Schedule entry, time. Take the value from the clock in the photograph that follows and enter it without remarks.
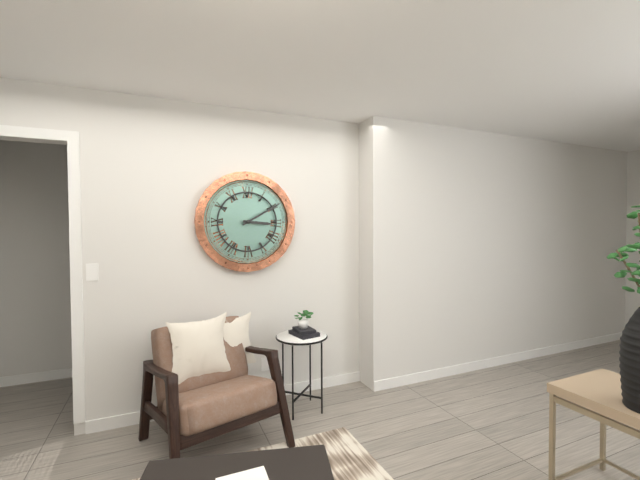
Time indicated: 3:10
